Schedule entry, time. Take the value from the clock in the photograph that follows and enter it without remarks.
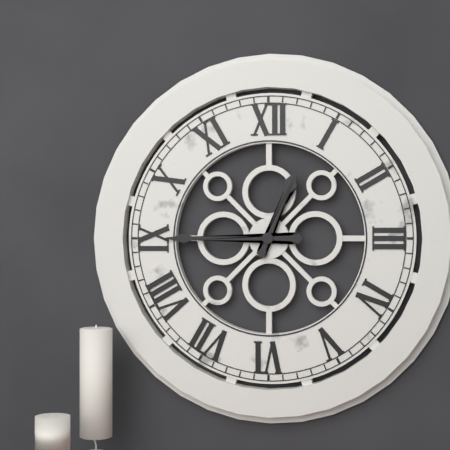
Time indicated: 12:45
